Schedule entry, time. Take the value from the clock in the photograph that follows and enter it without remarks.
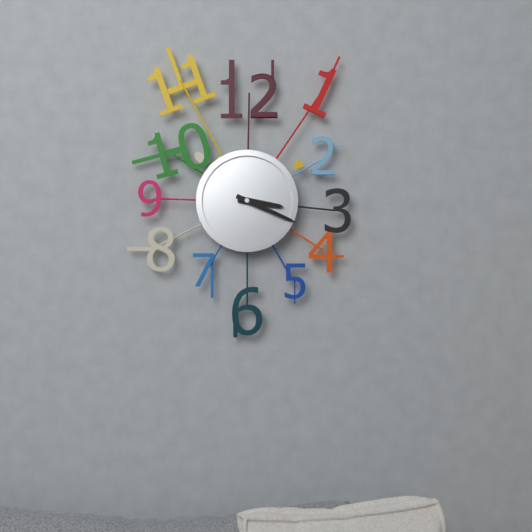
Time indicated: 3:19
